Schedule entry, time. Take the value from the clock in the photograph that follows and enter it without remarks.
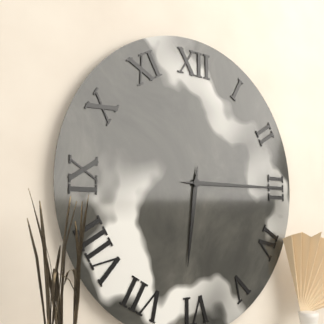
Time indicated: 6:15
